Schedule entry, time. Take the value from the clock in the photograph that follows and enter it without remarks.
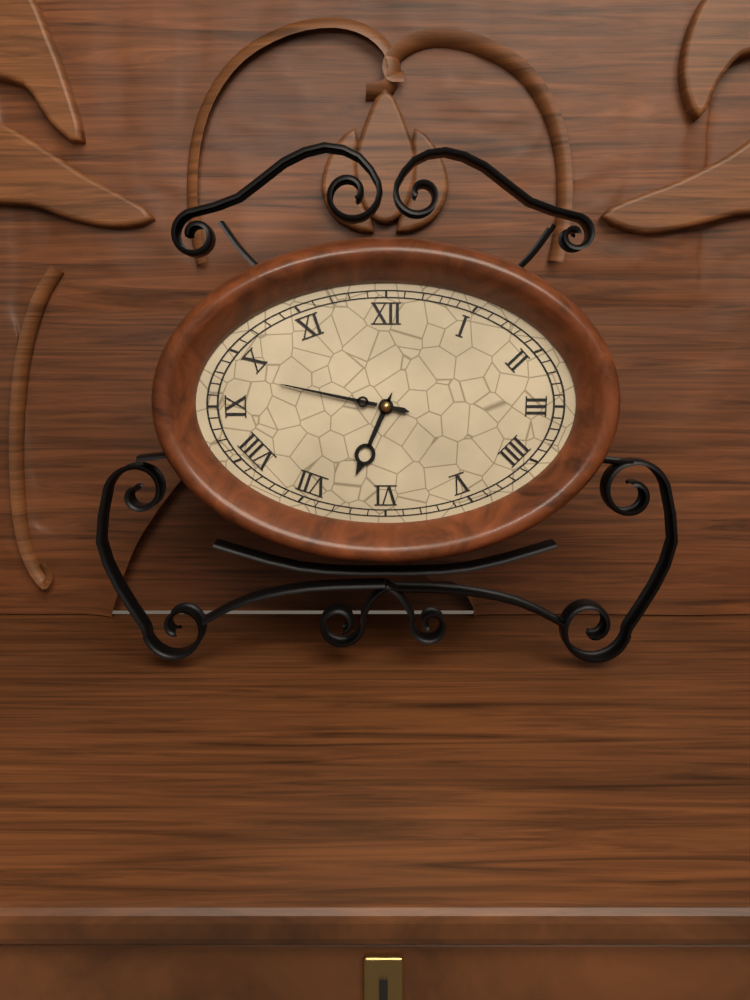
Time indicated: 6:47
